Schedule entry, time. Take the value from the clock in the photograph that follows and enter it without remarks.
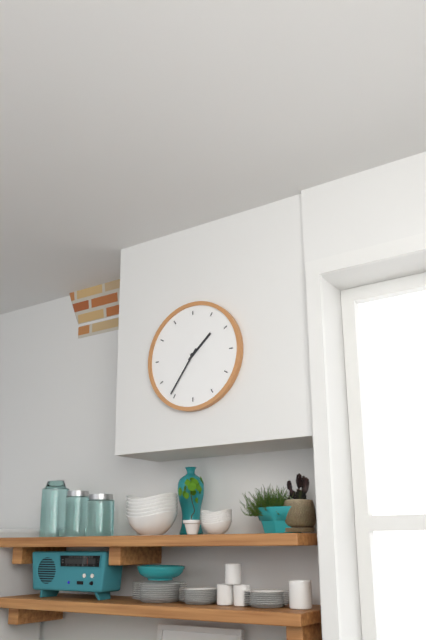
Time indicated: 1:36
